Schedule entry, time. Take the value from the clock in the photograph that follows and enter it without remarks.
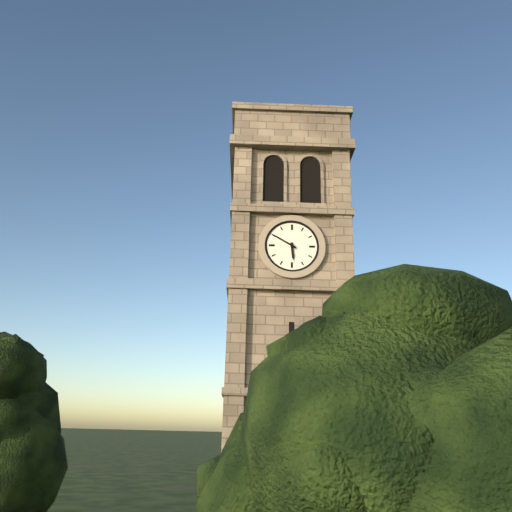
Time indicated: 5:50
